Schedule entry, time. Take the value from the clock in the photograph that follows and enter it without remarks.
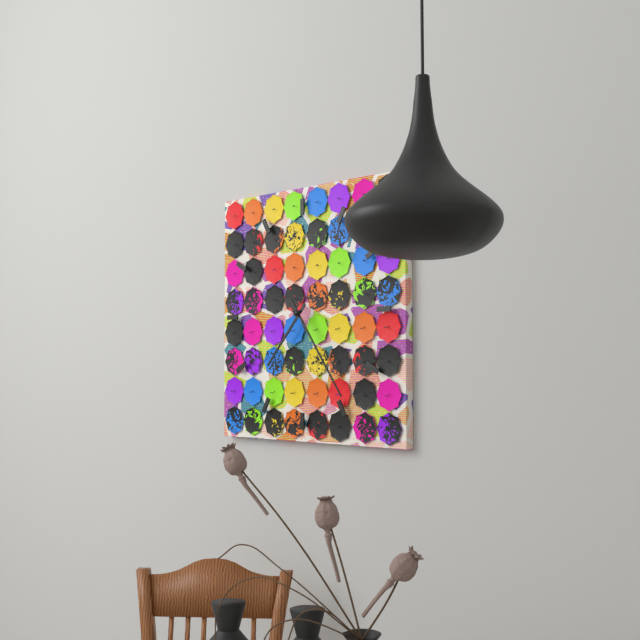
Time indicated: 7:24
